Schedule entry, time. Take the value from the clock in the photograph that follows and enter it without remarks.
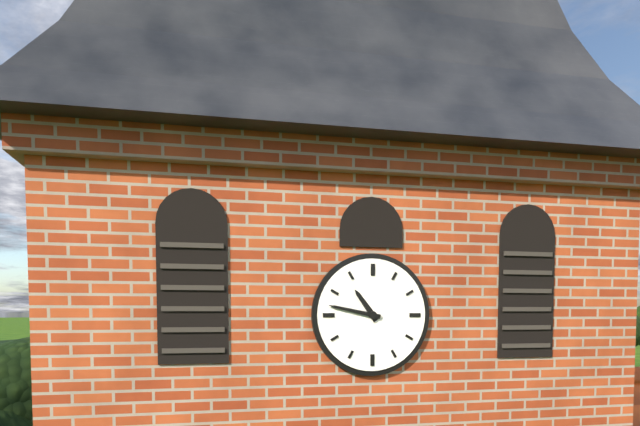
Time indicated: 10:47
